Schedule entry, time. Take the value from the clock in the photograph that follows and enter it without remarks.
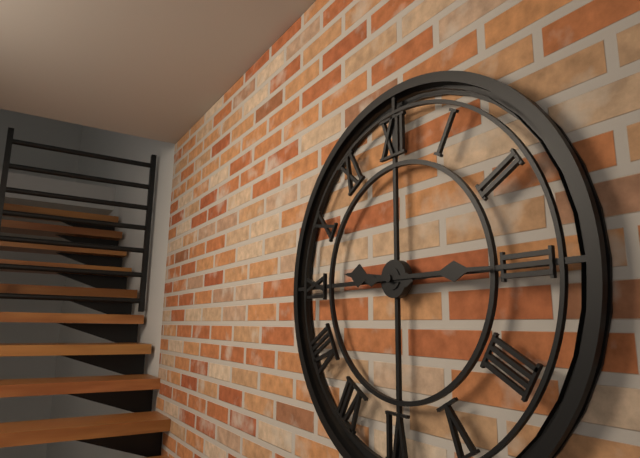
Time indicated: 9:15
